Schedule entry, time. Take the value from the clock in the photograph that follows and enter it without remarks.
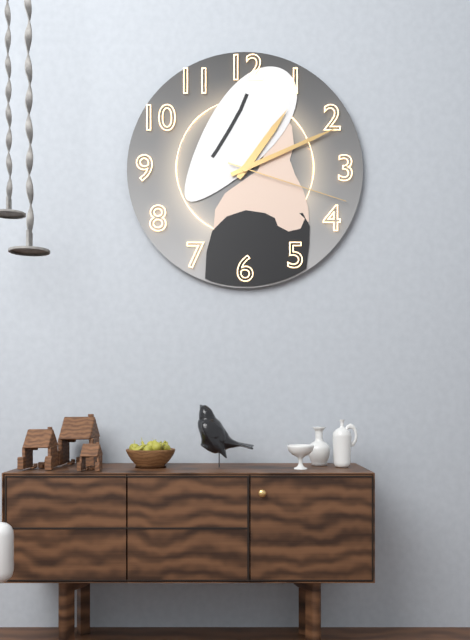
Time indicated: 1:11:18
